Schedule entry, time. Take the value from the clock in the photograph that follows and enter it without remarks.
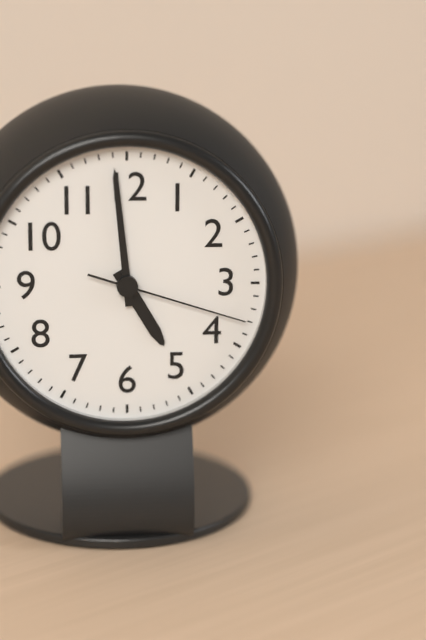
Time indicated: 4:59:18
